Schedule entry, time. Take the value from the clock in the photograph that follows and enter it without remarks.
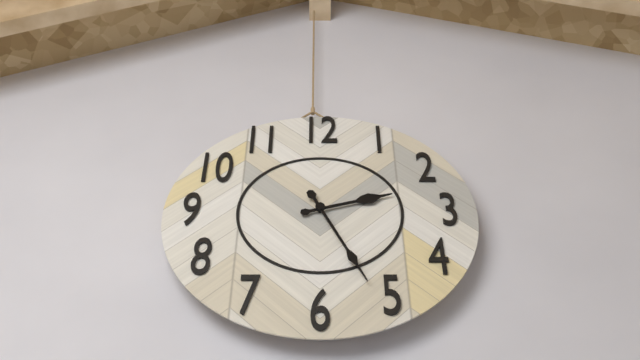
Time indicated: 2:26
